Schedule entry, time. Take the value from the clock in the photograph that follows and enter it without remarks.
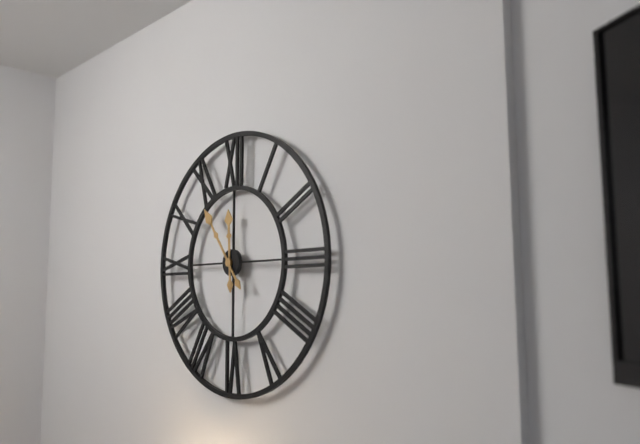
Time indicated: 11:54
